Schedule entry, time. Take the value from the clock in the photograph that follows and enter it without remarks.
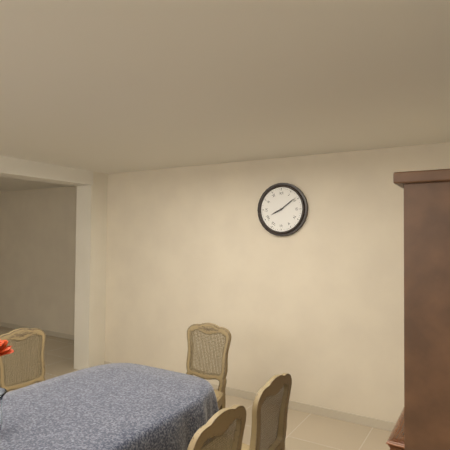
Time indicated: 8:09
